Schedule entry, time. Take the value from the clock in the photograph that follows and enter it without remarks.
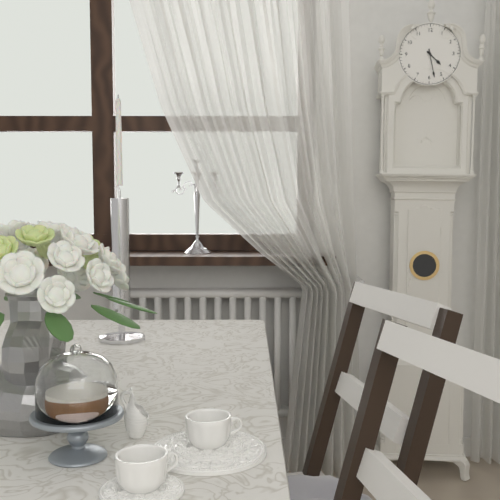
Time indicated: 4:28
